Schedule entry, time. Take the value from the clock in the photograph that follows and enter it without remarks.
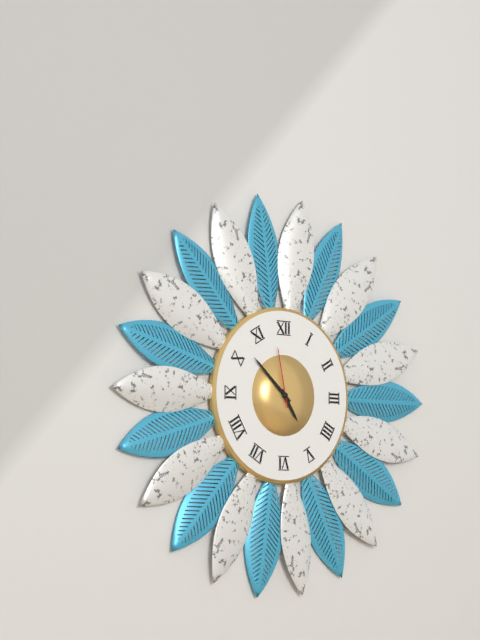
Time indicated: 4:52:58
